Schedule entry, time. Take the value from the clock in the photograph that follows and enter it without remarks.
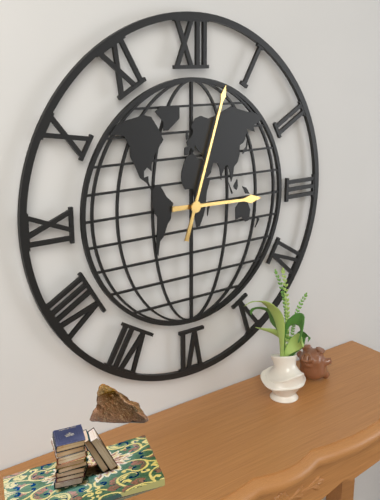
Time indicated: 3:03
